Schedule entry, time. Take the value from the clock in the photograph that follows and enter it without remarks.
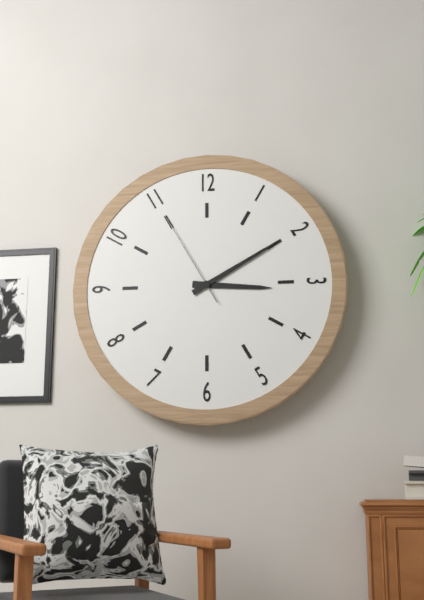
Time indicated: 3:10:55
